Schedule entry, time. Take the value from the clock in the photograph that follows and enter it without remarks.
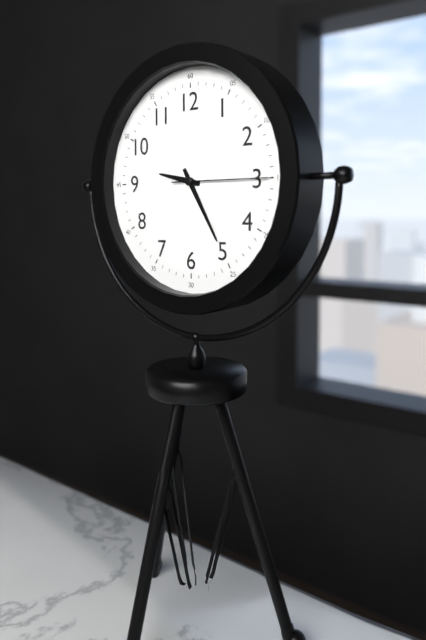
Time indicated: 9:25:15
